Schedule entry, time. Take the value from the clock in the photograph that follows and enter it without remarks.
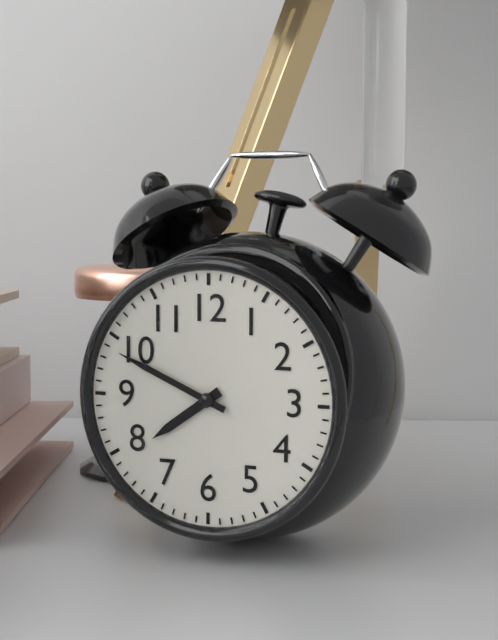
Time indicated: 7:49
